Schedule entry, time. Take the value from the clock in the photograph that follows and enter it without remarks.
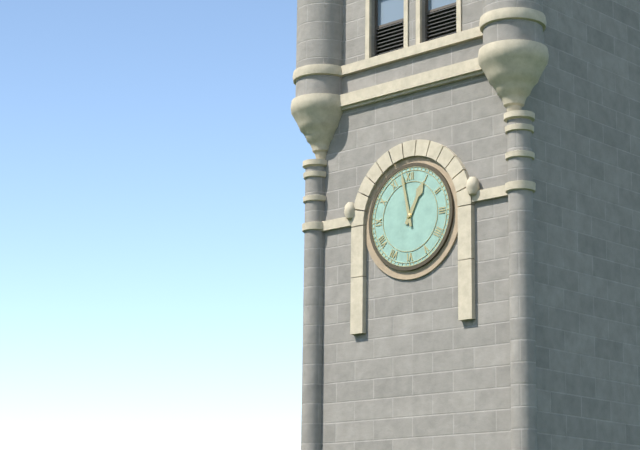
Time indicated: 12:58
